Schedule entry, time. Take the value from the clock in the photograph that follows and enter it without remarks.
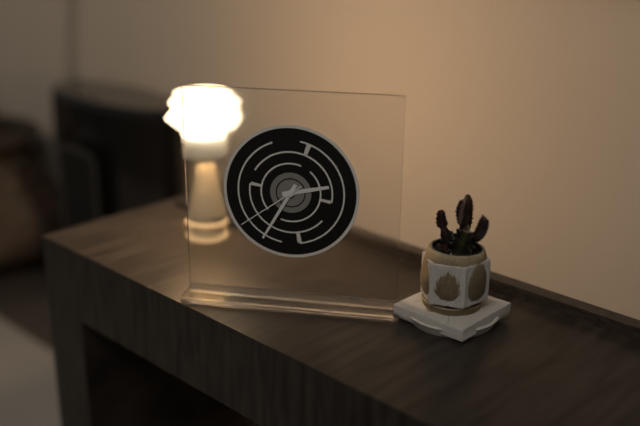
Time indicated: 2:35:39
